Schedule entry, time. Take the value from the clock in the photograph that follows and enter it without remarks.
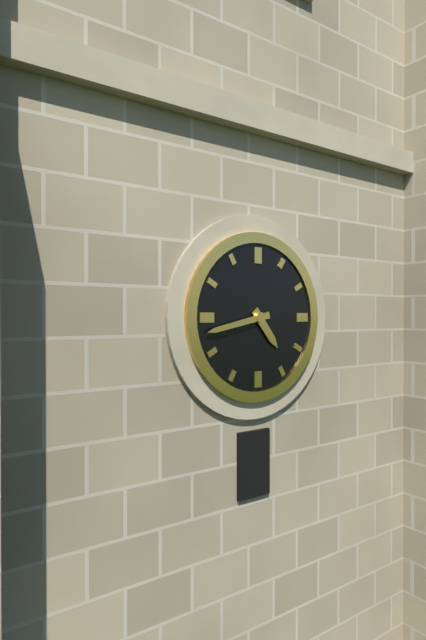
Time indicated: 4:43
